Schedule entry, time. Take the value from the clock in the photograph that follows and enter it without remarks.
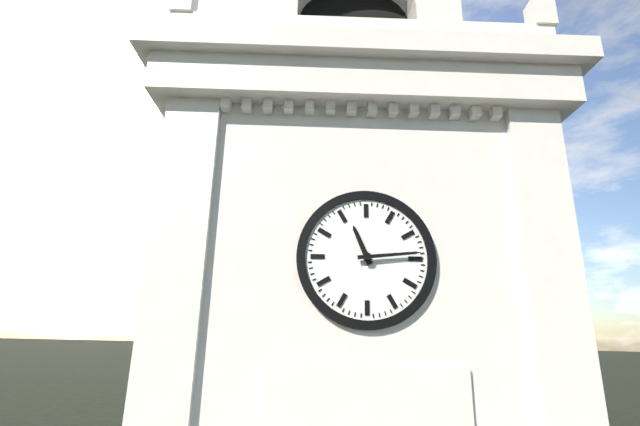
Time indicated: 11:14
